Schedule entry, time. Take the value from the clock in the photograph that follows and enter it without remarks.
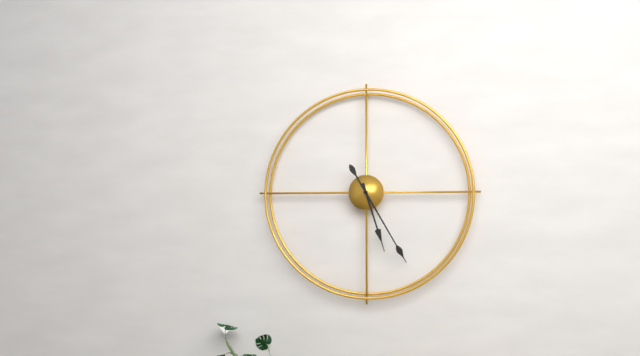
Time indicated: 5:25
